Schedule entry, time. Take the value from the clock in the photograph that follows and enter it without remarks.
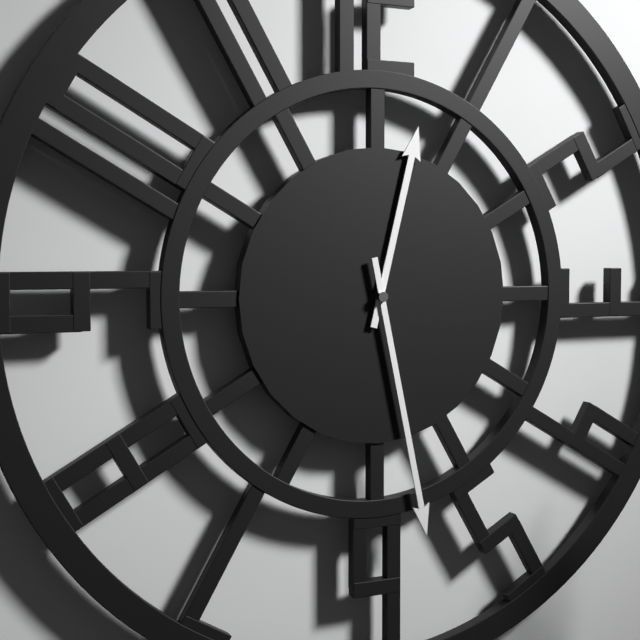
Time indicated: 12:28
